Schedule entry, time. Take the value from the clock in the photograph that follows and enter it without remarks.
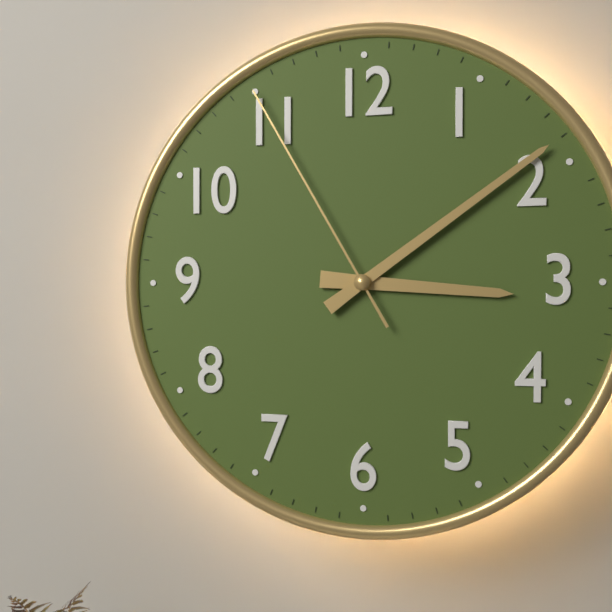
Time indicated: 3:09:55
